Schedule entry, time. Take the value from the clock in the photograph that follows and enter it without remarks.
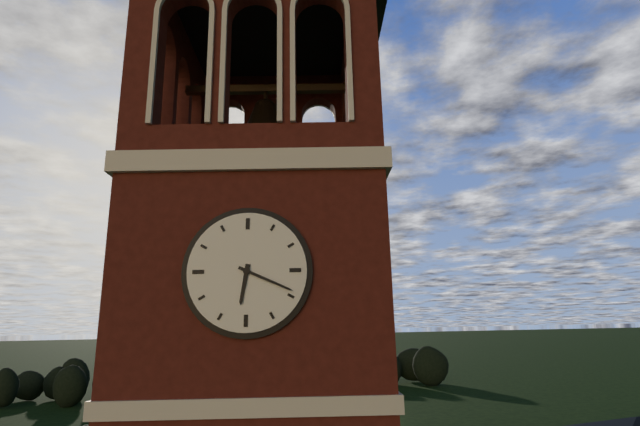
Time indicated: 6:19
